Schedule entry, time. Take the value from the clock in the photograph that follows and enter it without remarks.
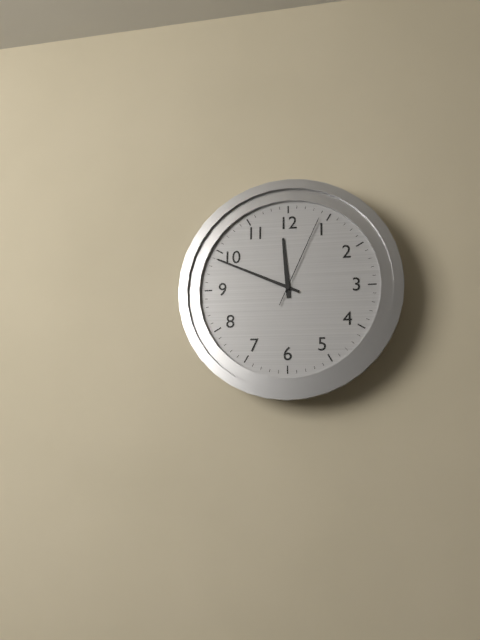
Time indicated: 11:49:04
